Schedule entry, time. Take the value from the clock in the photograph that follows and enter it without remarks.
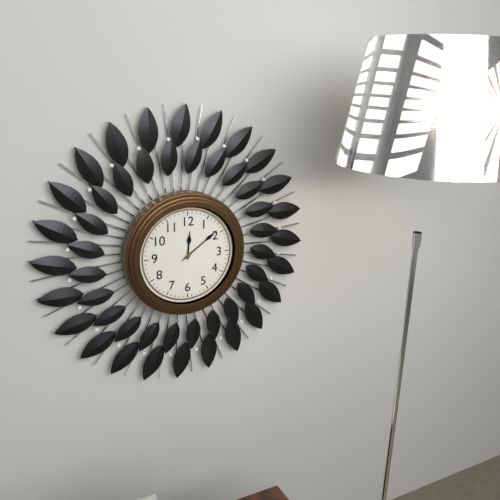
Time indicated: 12:09
